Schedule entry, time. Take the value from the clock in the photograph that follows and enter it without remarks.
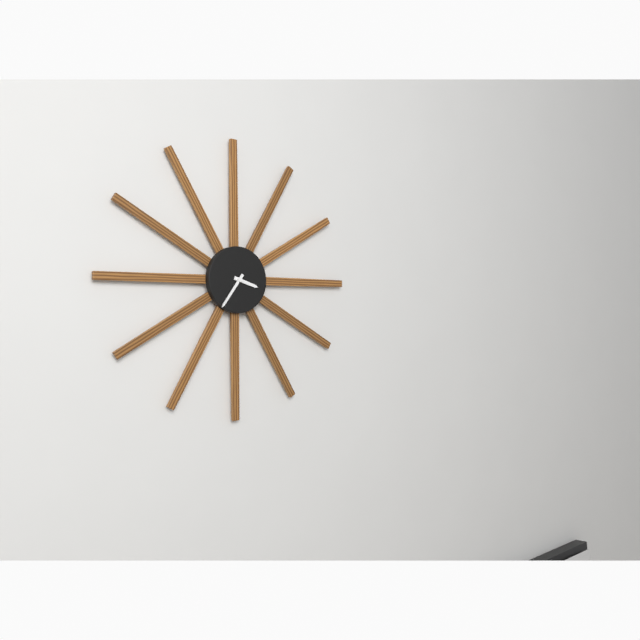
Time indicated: 3:36
